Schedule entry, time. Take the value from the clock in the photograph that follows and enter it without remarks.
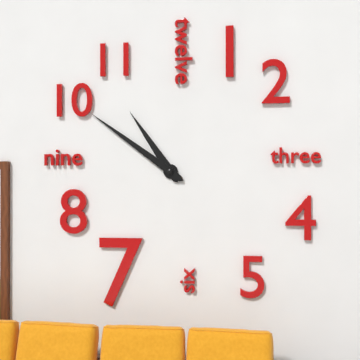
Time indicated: 10:51
